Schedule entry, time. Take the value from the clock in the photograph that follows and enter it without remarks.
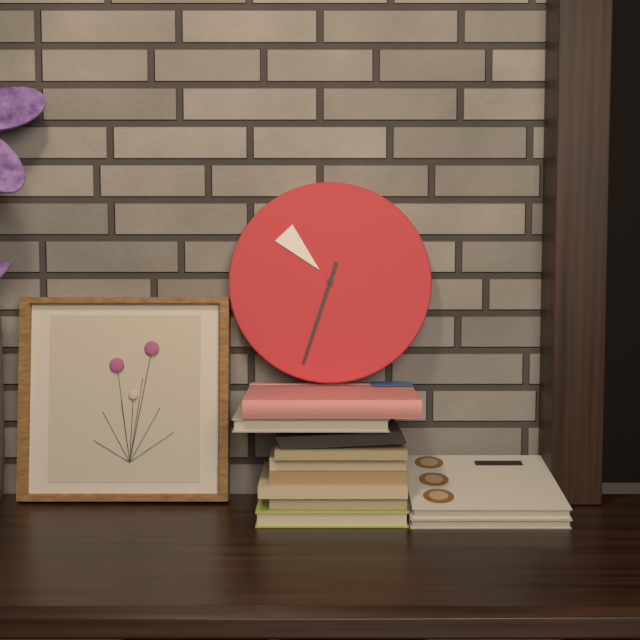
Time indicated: 10:33
